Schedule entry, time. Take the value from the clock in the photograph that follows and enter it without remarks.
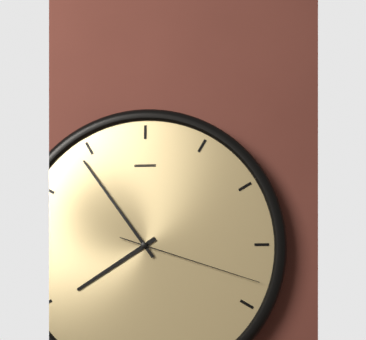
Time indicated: 7:54:18
